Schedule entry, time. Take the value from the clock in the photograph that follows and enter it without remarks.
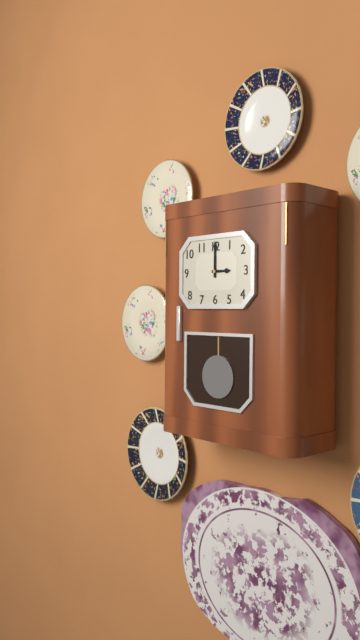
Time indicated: 3:00
